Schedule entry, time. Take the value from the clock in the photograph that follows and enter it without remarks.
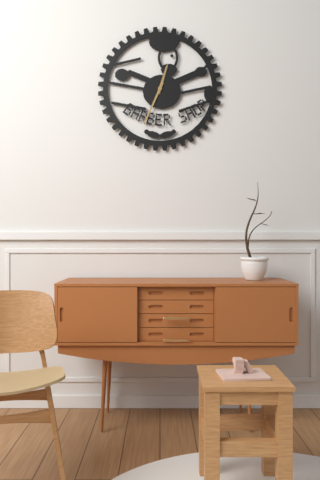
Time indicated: 12:34
